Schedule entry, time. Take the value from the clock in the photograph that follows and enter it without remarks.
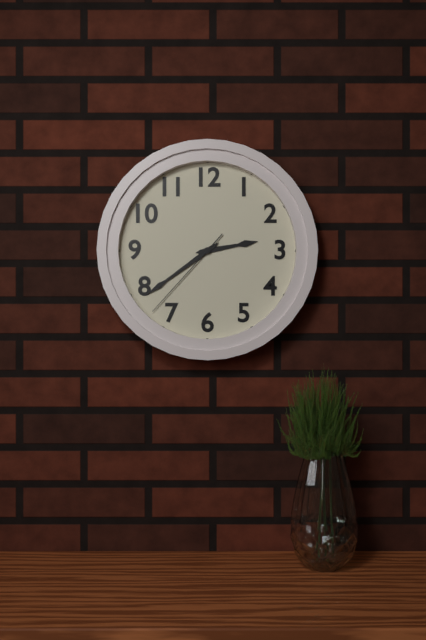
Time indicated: 2:39:37
